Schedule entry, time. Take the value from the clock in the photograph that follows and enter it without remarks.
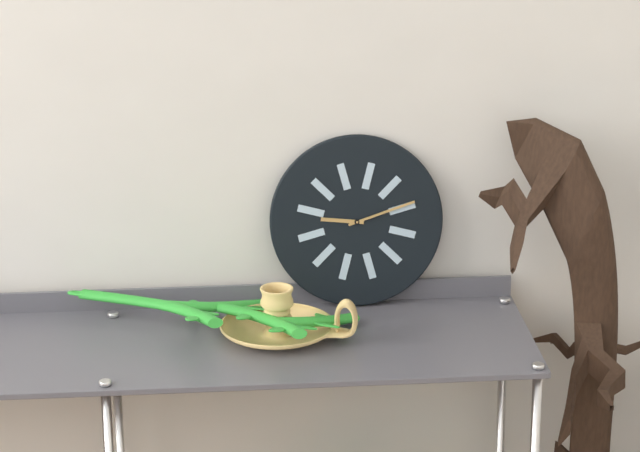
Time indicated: 9:12
